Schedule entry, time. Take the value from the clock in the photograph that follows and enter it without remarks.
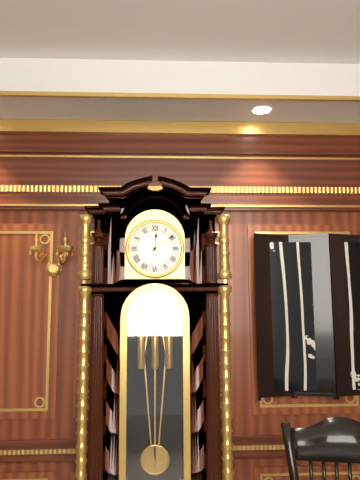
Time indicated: 12:09
